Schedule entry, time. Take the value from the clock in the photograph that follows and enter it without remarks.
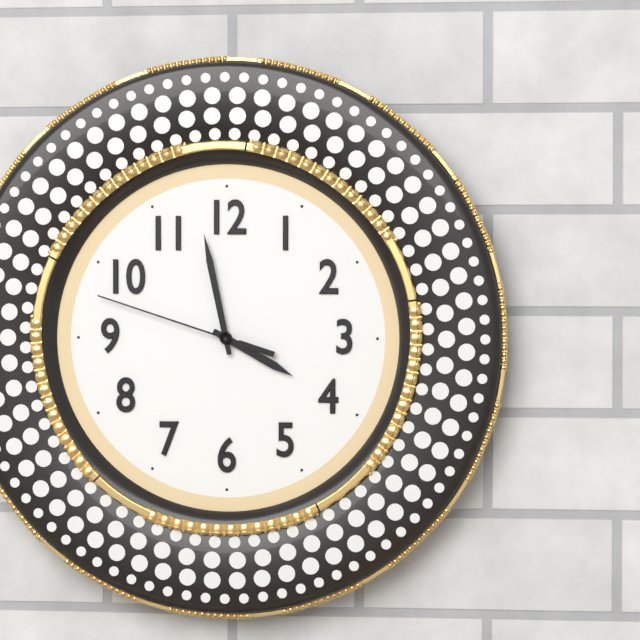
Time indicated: 3:58:48
